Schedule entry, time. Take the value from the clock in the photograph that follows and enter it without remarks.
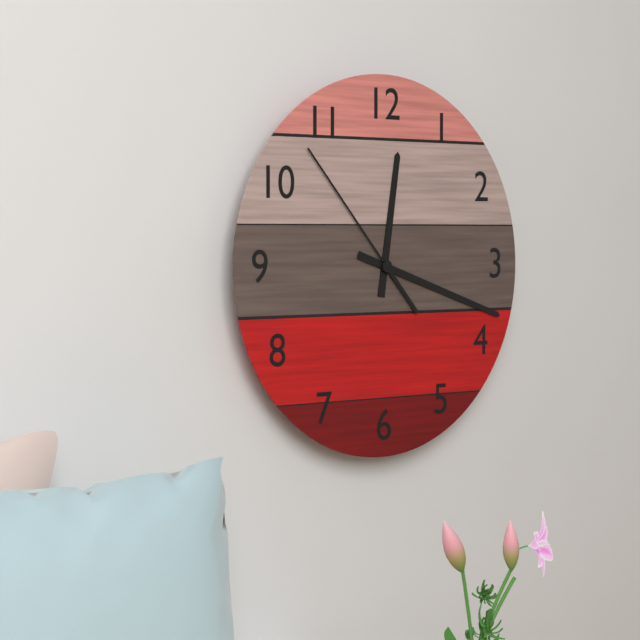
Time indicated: 12:18:53
